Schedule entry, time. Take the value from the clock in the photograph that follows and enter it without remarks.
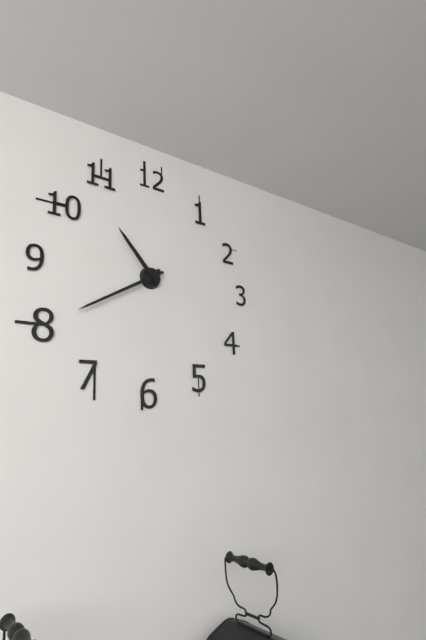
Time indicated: 10:40
